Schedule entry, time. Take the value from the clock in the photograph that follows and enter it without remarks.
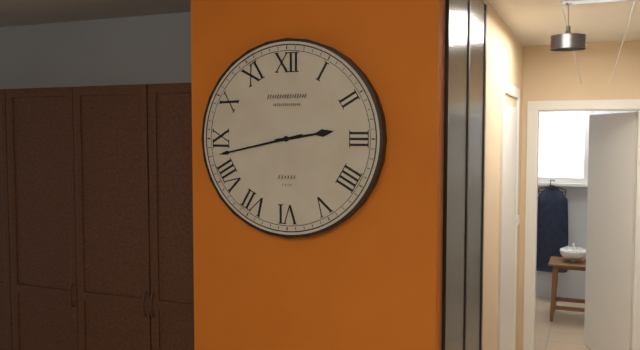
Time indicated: 2:43
